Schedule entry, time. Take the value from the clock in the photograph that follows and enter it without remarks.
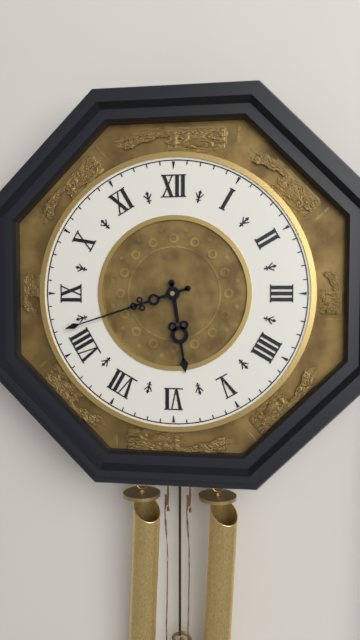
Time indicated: 5:42
